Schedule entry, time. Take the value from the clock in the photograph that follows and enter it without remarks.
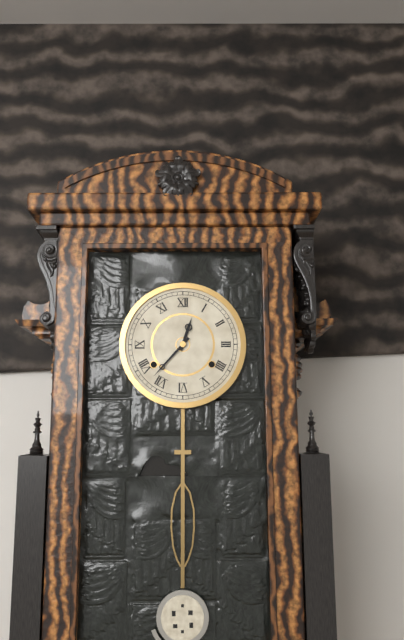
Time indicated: 12:37
